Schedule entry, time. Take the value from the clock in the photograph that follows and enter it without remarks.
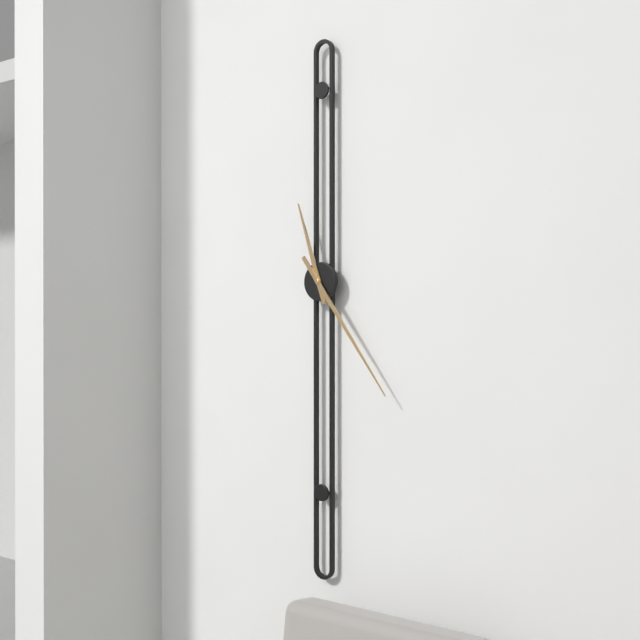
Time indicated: 11:24
